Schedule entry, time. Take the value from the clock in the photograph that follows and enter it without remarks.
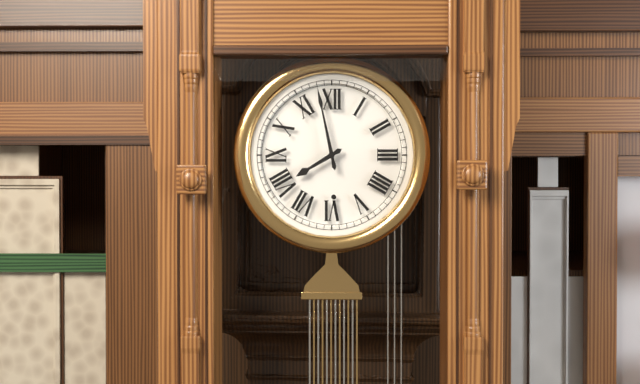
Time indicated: 7:58
